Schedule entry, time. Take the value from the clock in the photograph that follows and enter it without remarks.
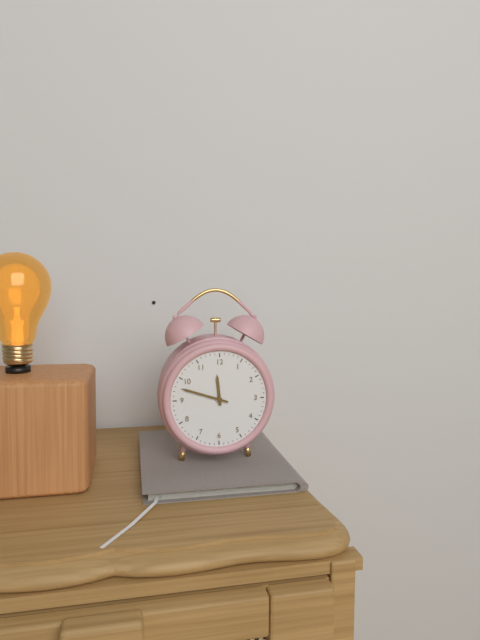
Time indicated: 11:48
